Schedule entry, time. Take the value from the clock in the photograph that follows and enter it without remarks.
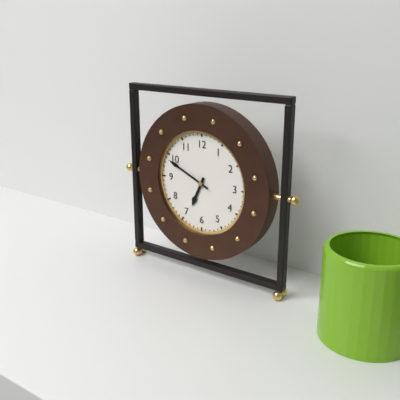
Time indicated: 6:49
